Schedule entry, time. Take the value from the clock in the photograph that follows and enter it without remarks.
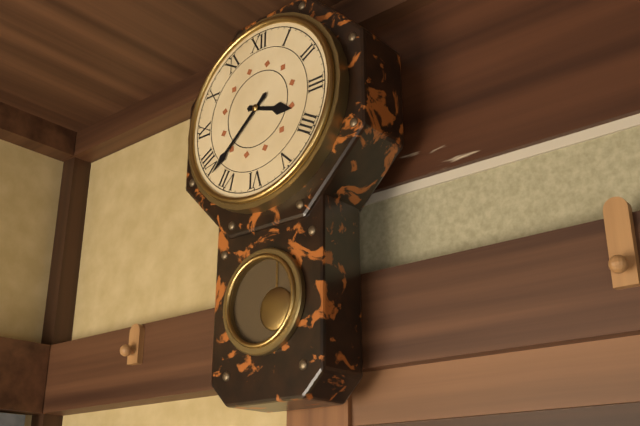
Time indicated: 3:38
